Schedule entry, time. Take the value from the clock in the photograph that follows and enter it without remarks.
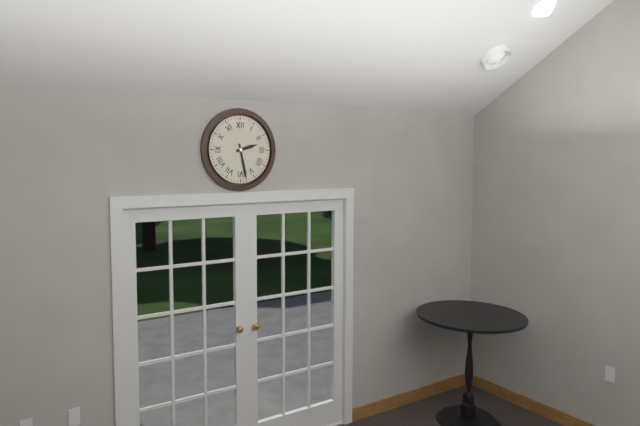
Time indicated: 2:28
